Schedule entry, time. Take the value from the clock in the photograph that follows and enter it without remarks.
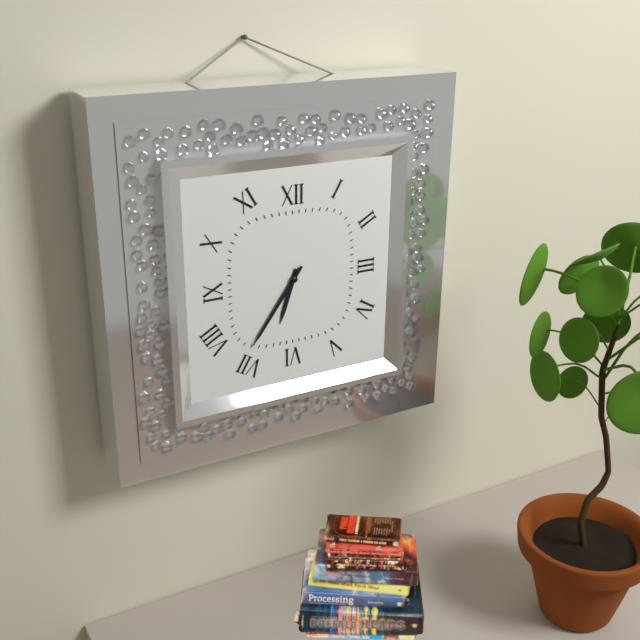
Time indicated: 6:36
